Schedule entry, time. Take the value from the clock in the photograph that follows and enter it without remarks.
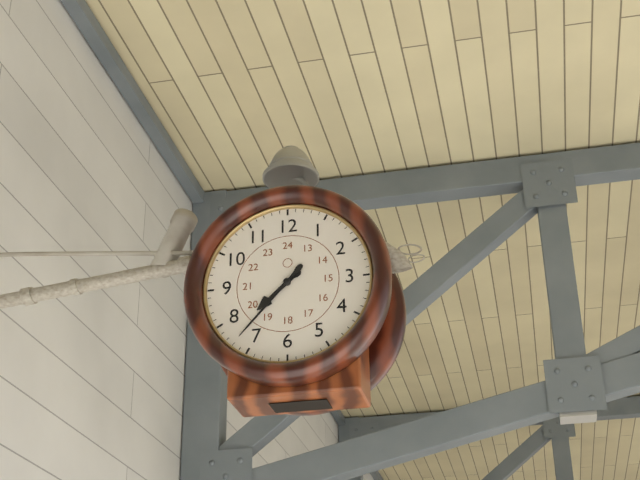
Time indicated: 7:37
